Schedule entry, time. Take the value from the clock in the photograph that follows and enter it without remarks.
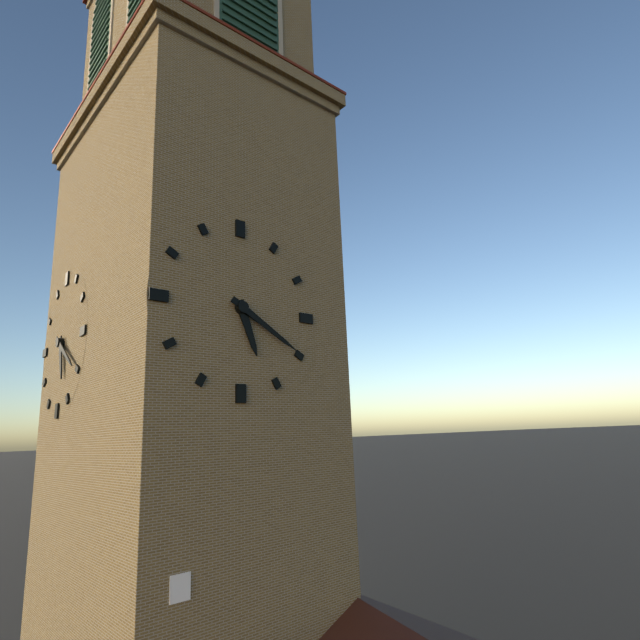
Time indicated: 5:20
